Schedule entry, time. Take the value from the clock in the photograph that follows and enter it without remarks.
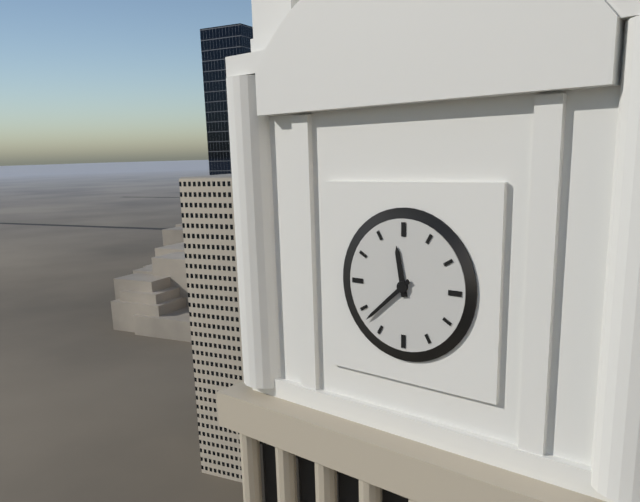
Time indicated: 11:38
